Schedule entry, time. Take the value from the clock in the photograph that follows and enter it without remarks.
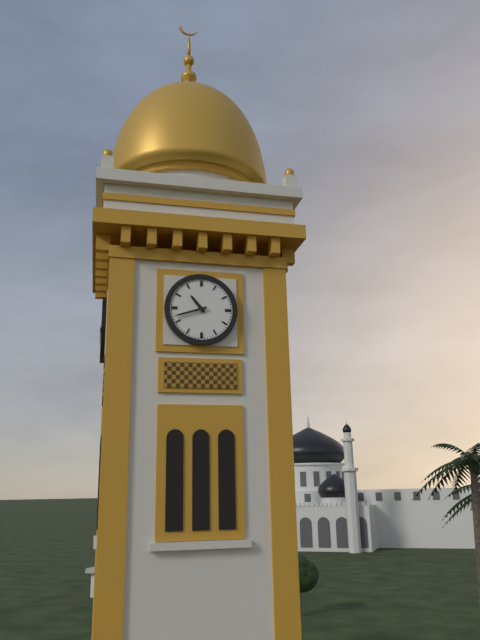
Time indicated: 10:42
